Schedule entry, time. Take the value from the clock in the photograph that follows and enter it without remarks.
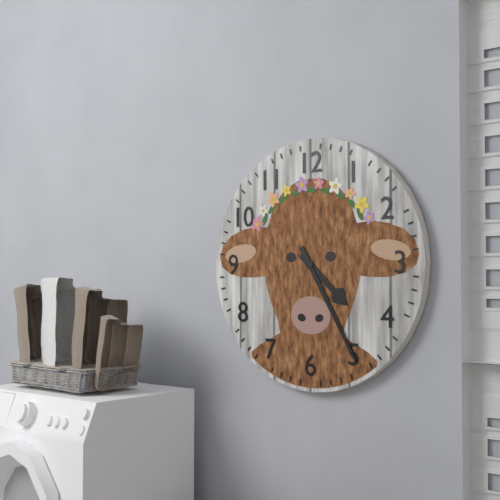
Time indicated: 4:25
